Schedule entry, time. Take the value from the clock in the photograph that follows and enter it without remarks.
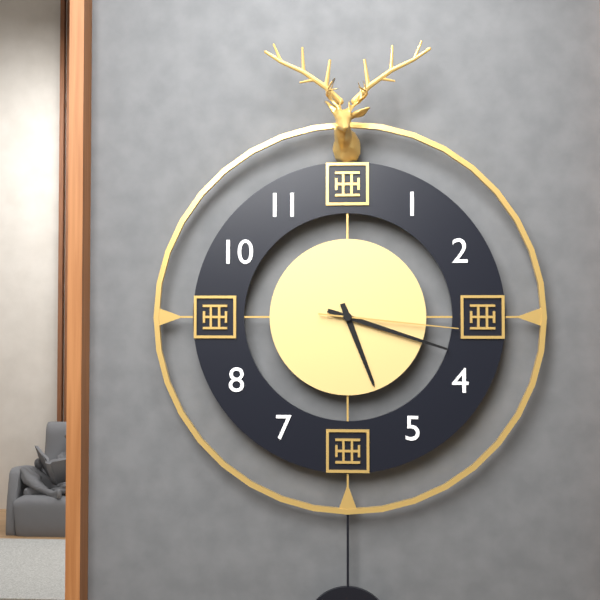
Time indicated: 5:18:16
